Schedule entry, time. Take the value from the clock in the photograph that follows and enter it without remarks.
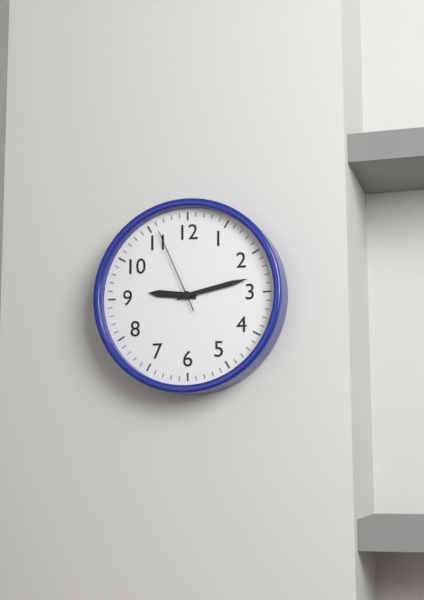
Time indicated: 9:13:56
